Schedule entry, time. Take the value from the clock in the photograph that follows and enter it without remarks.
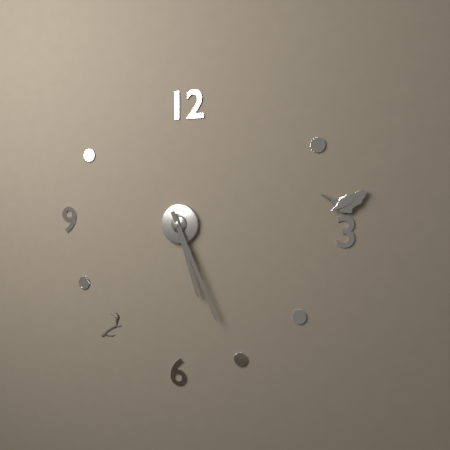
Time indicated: 5:26
